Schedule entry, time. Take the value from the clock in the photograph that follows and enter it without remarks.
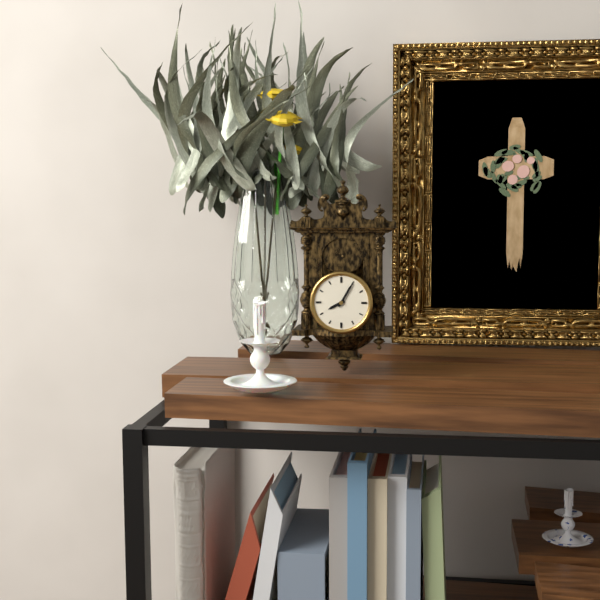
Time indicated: 8:05
